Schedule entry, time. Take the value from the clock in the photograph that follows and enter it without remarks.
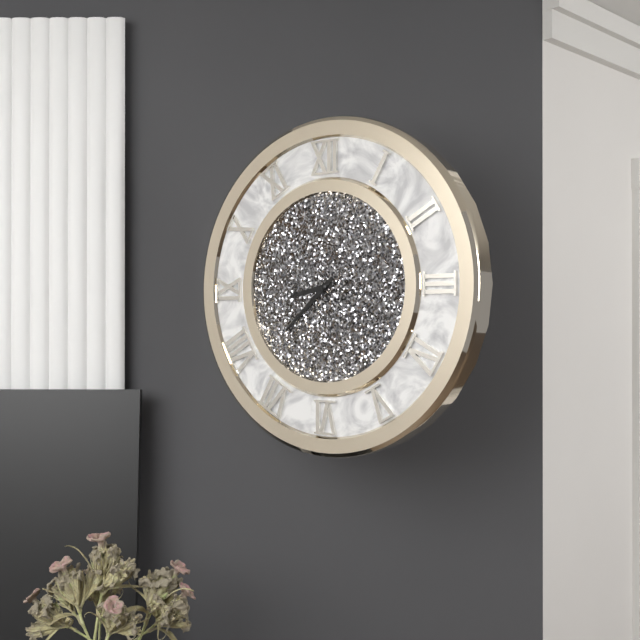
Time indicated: 8:38
